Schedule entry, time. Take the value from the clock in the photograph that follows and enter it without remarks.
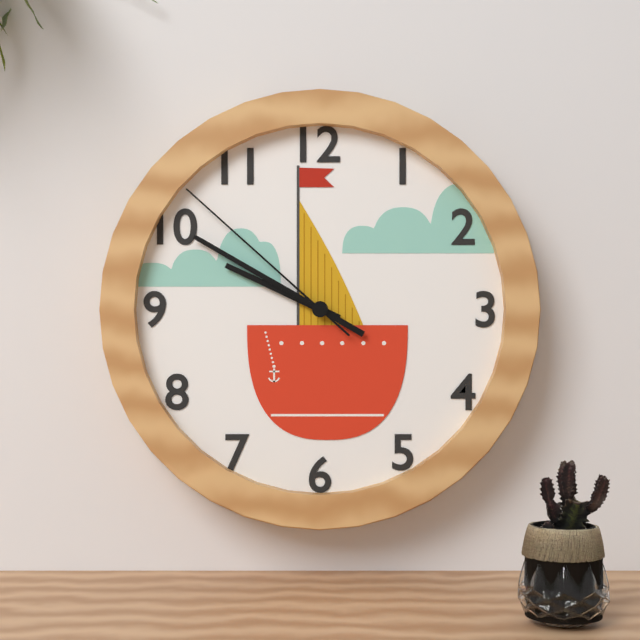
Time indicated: 9:50:52
